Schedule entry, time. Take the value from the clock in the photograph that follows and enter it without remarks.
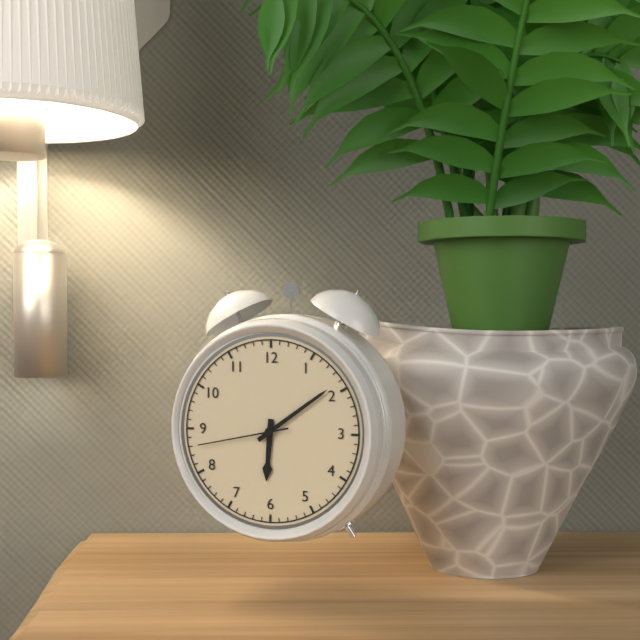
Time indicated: 6:09:43
